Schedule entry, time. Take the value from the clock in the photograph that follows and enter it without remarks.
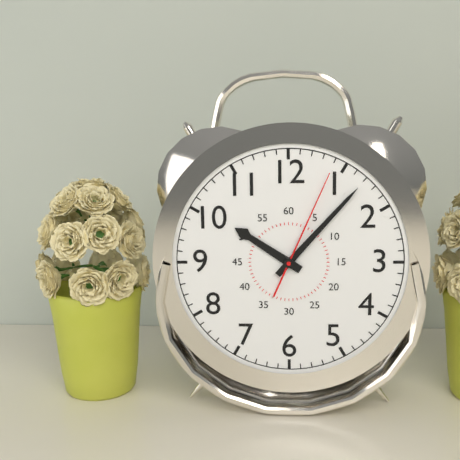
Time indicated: 10:07:04
